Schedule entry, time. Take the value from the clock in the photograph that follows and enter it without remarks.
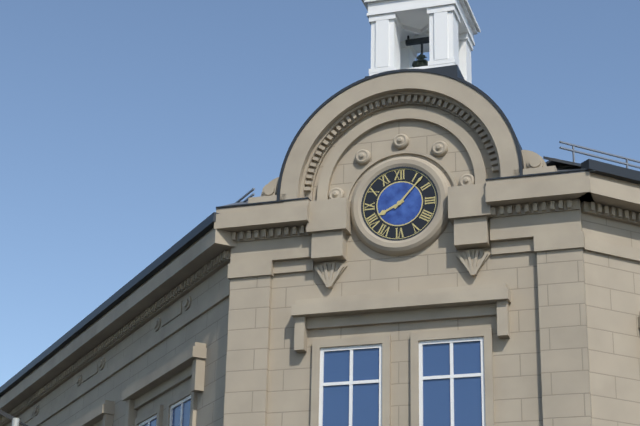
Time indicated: 8:07
